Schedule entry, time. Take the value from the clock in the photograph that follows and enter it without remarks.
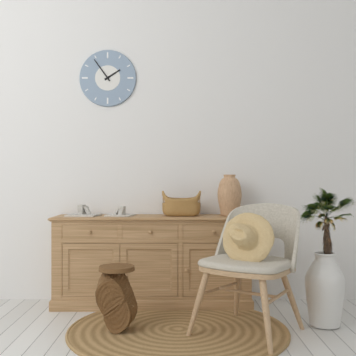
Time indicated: 1:54
